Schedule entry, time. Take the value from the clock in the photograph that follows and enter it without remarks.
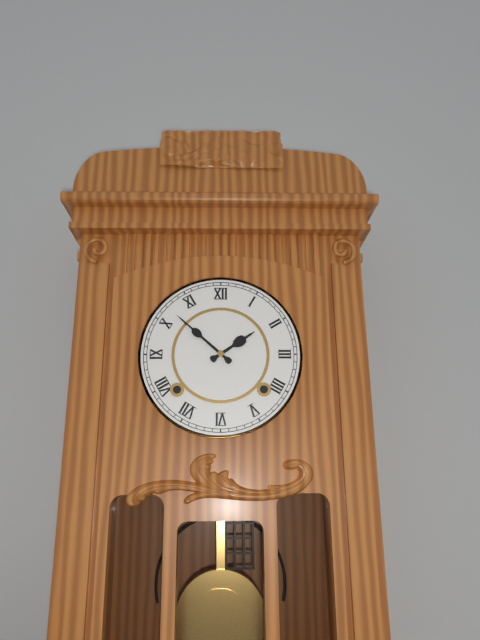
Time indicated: 1:52
